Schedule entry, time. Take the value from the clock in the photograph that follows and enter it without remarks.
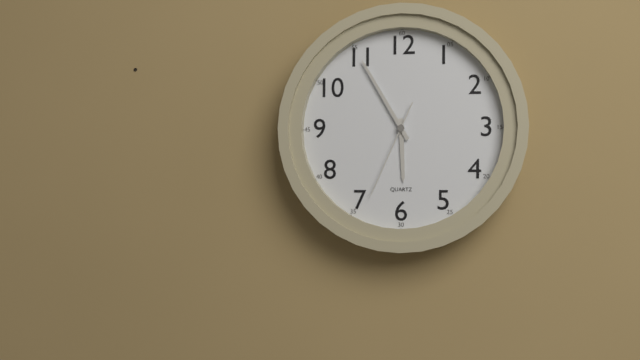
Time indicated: 5:55:34
